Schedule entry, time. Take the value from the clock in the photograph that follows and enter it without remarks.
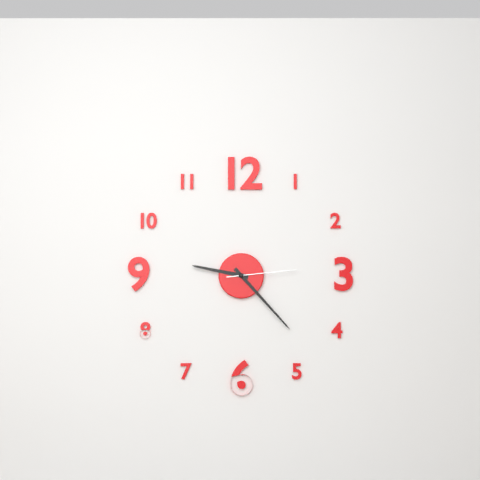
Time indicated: 9:23:14
